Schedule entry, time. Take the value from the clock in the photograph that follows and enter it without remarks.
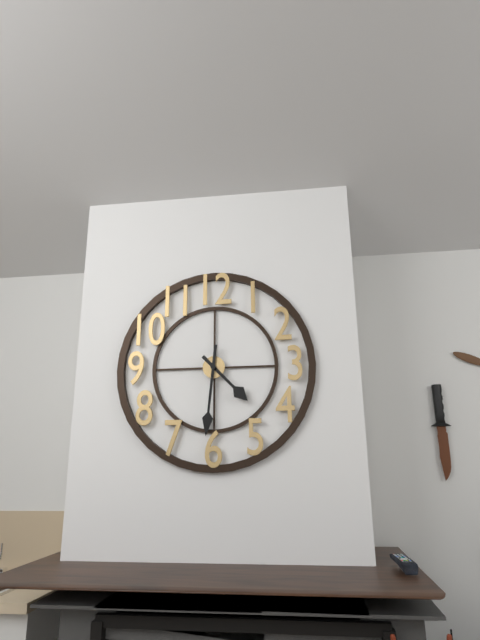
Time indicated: 4:31
